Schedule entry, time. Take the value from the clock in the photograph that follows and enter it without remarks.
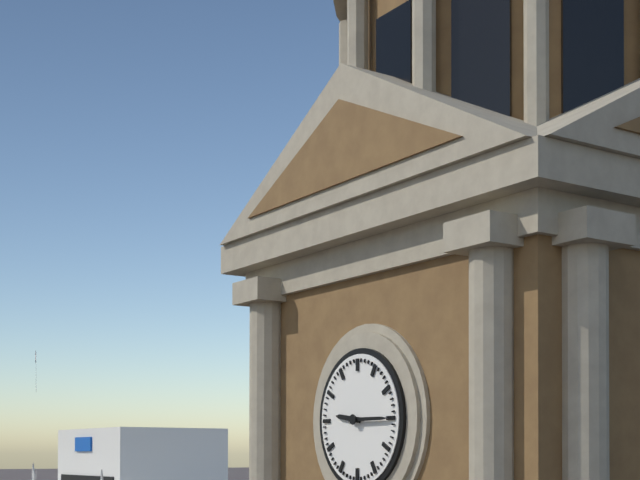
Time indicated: 9:15
